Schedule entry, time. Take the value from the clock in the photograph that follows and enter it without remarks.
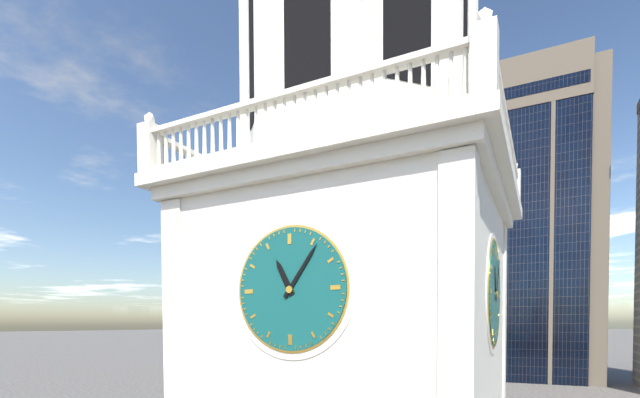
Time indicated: 11:06
